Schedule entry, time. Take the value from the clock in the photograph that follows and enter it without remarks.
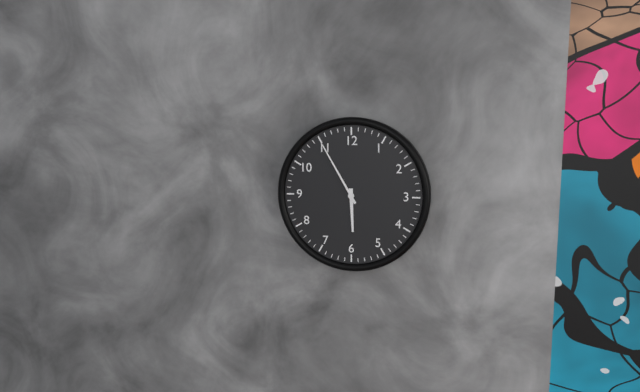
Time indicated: 5:55
